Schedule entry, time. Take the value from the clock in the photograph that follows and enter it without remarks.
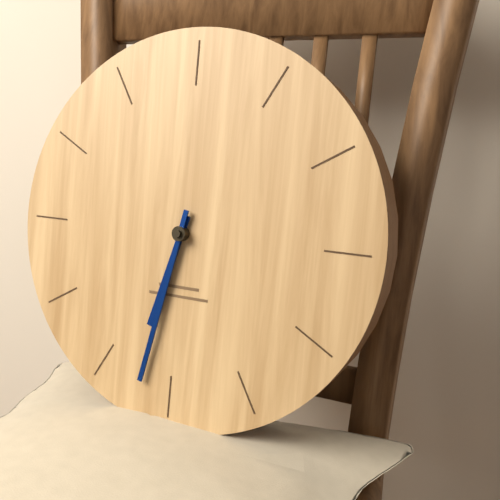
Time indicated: 6:32
